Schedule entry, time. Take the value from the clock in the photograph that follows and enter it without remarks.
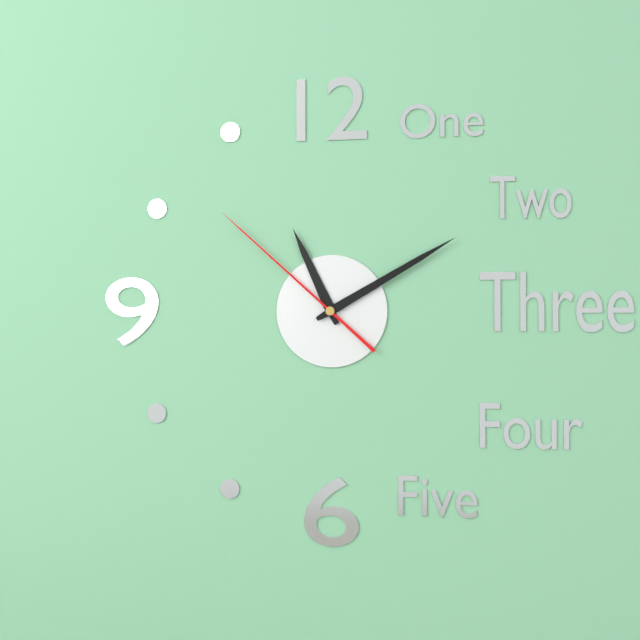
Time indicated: 11:10:52
